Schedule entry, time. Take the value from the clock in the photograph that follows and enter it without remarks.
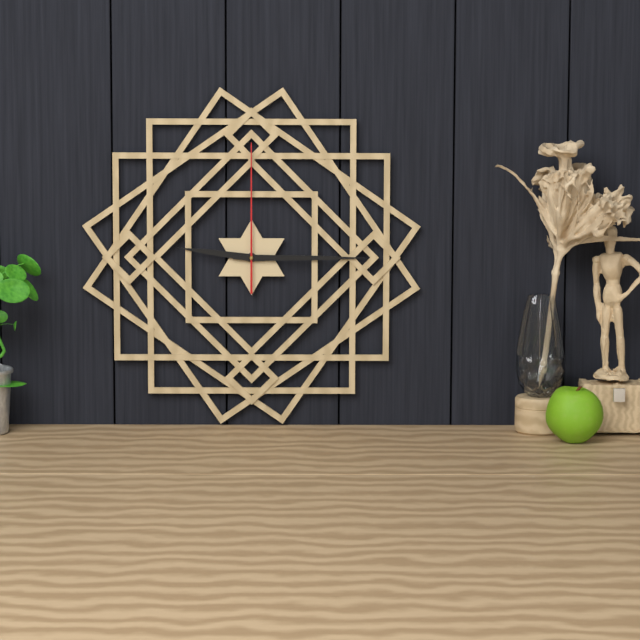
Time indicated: 9:15:00
